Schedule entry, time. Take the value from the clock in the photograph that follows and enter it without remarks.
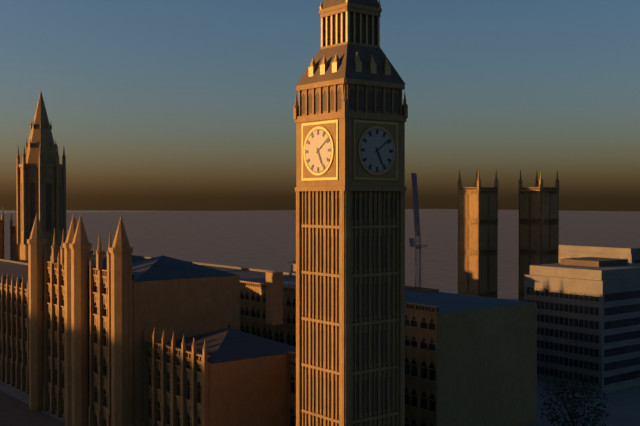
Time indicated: 5:09
